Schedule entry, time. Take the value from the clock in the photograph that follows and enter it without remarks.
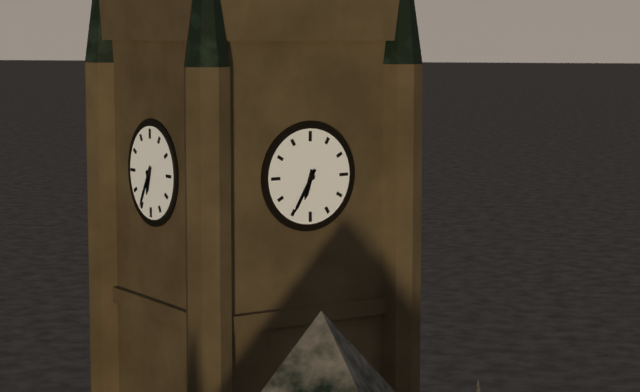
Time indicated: 6:35
